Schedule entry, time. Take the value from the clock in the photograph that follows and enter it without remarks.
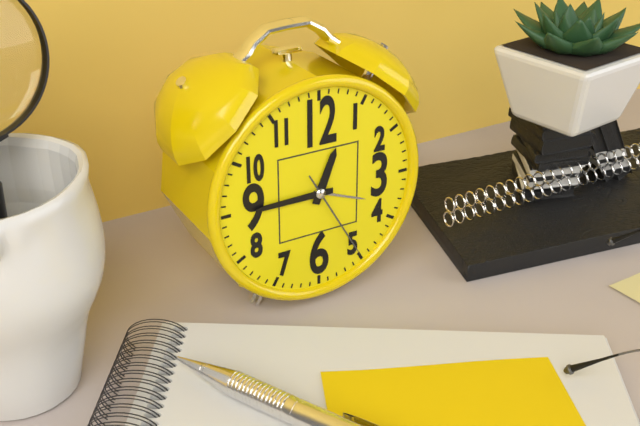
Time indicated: 12:45:25
